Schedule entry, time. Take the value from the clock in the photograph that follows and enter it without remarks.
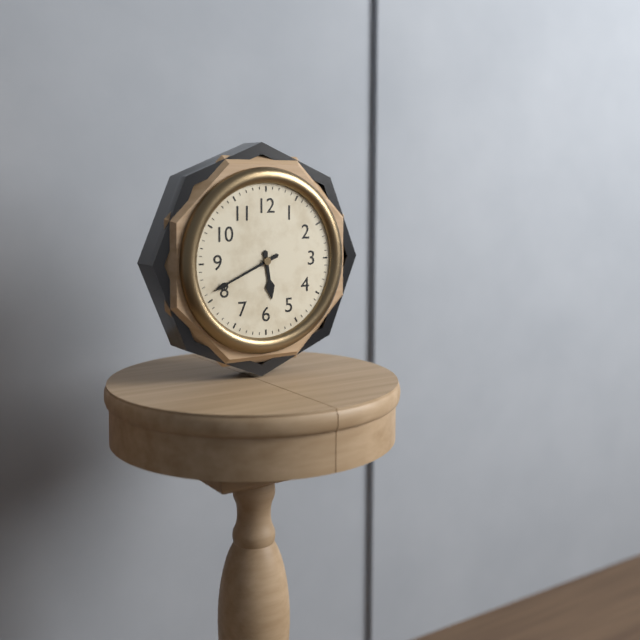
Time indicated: 5:41
